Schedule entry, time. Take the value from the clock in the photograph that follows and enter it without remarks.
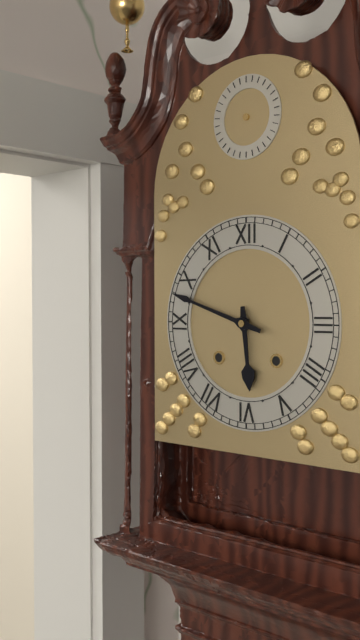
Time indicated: 5:48
